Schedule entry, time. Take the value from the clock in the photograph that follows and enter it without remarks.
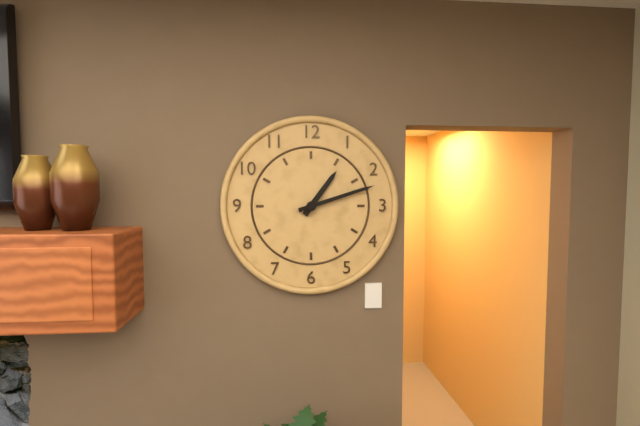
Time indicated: 1:12
